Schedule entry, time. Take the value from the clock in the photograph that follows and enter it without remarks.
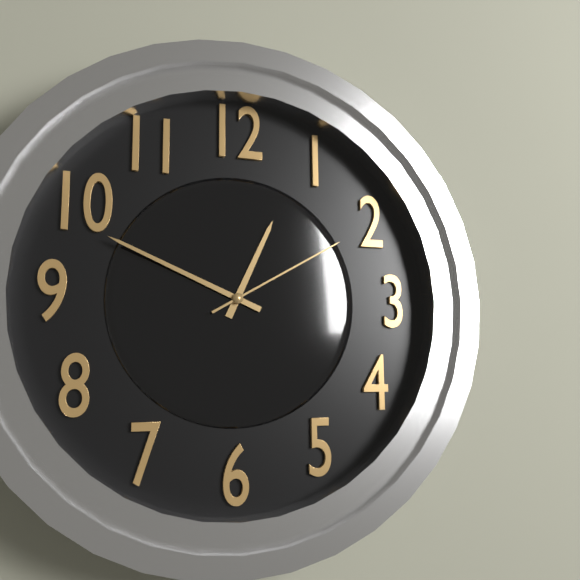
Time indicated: 12:49:10
